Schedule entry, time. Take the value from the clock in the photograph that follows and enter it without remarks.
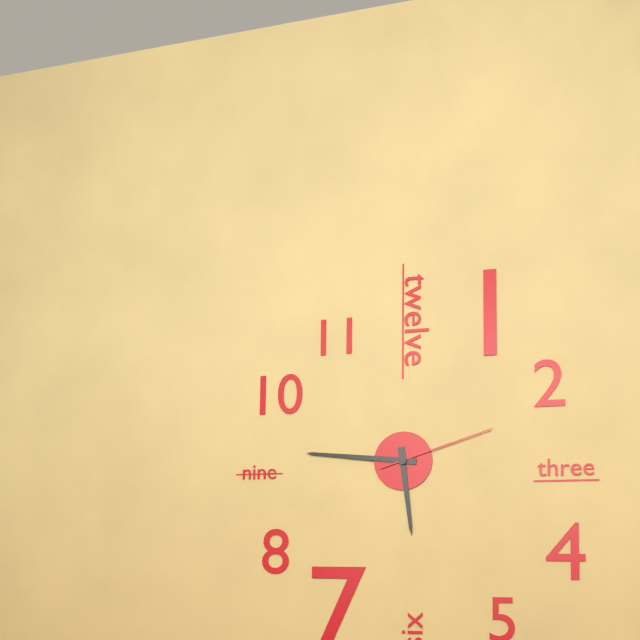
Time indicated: 5:46:12
